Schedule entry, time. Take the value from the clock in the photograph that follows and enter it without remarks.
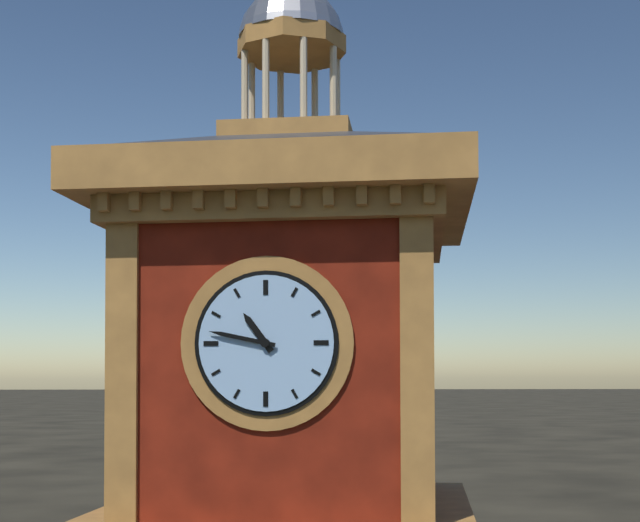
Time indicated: 10:47
